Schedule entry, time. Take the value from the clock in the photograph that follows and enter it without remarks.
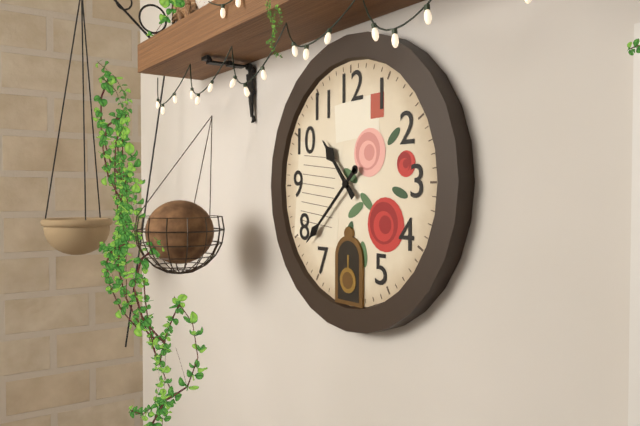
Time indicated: 10:38
